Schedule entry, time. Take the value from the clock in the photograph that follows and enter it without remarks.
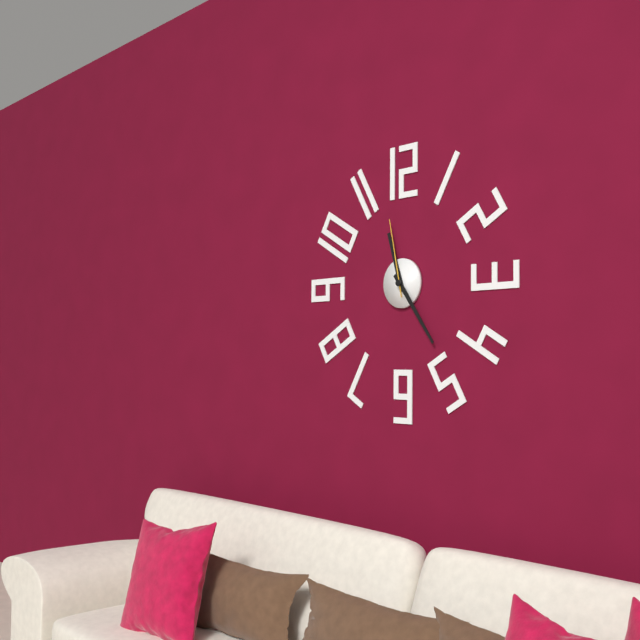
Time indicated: 11:24:58
